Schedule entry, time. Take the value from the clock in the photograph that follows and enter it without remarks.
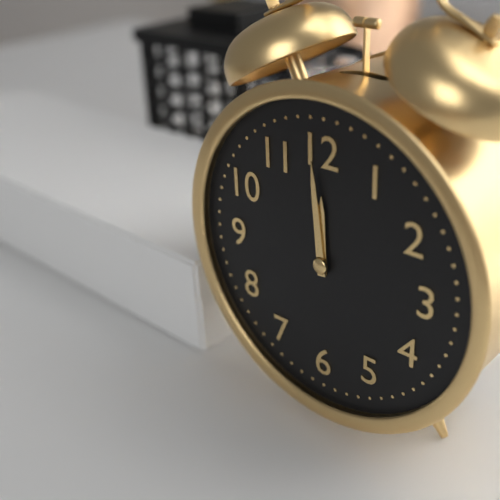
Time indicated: 11:59
